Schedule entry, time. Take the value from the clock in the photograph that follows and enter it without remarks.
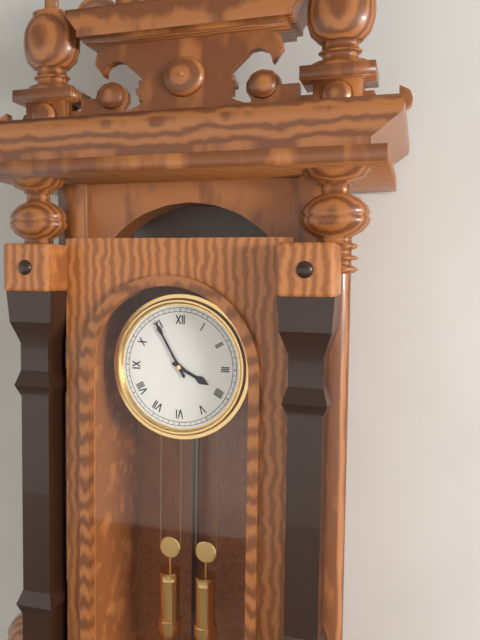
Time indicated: 3:55
